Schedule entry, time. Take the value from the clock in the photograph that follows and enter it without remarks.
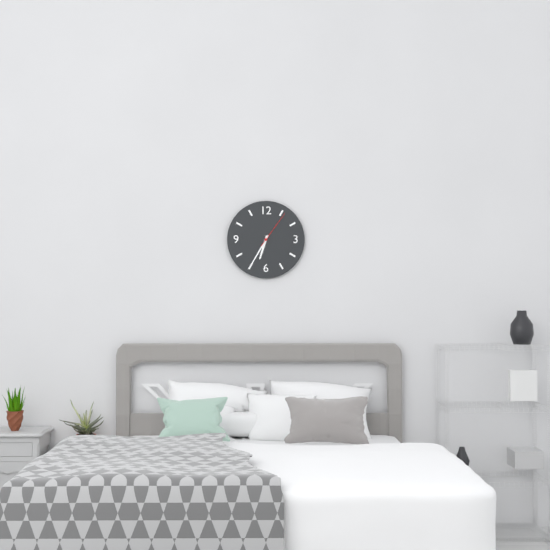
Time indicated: 6:35
